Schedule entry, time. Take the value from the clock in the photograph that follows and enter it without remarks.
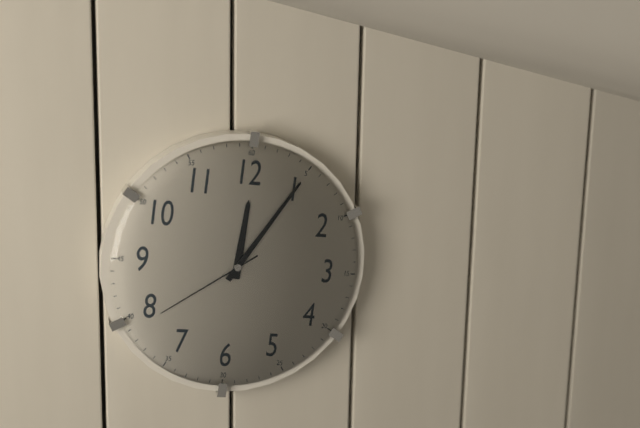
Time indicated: 12:05:39
